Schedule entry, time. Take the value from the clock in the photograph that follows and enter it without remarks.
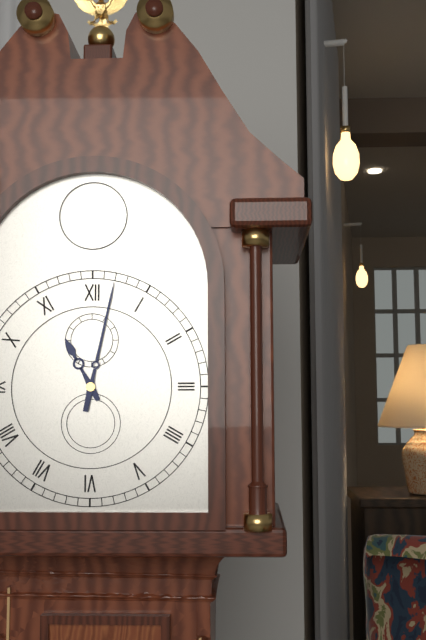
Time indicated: 11:02
